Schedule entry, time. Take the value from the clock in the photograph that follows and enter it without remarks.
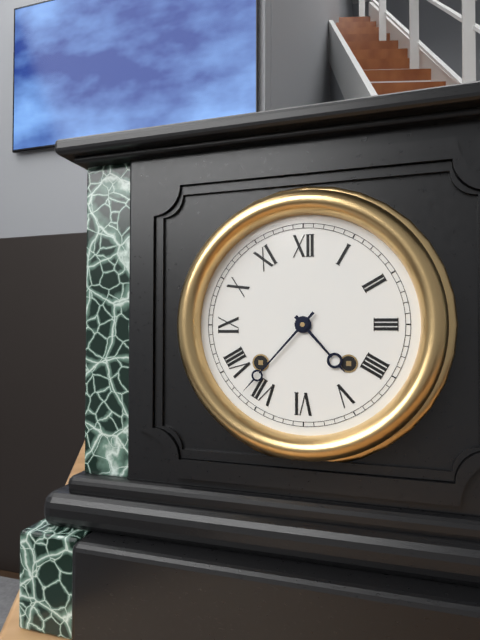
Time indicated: 4:37
